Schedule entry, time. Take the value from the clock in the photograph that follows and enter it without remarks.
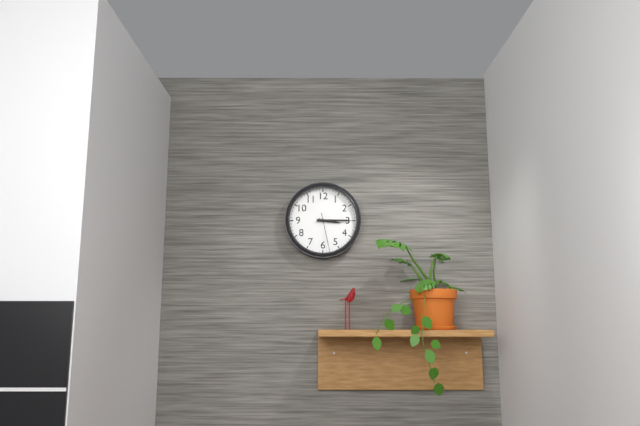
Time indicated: 3:15
